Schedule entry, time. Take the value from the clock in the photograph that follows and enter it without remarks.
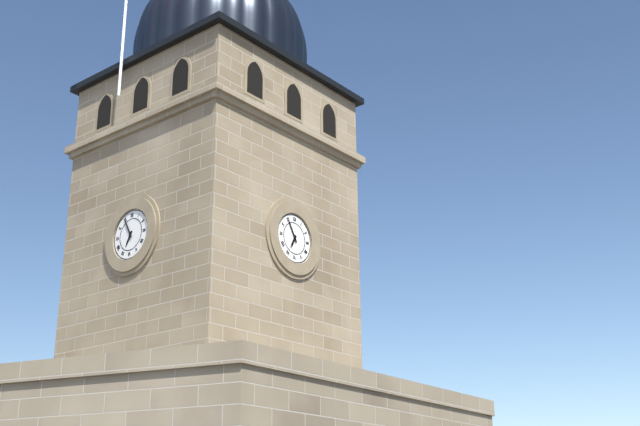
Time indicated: 6:55
